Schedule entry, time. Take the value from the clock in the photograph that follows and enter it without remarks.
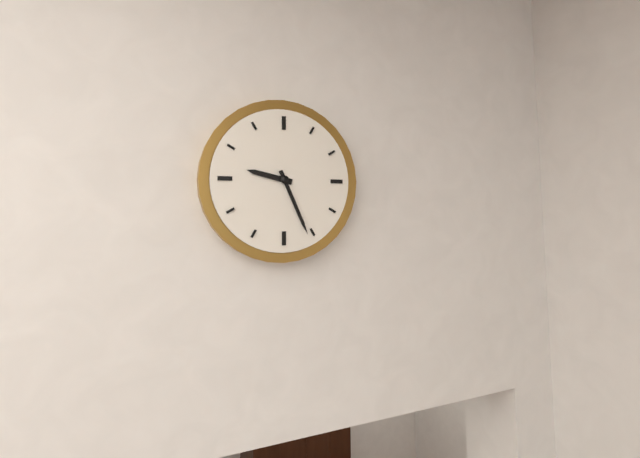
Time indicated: 9:26
